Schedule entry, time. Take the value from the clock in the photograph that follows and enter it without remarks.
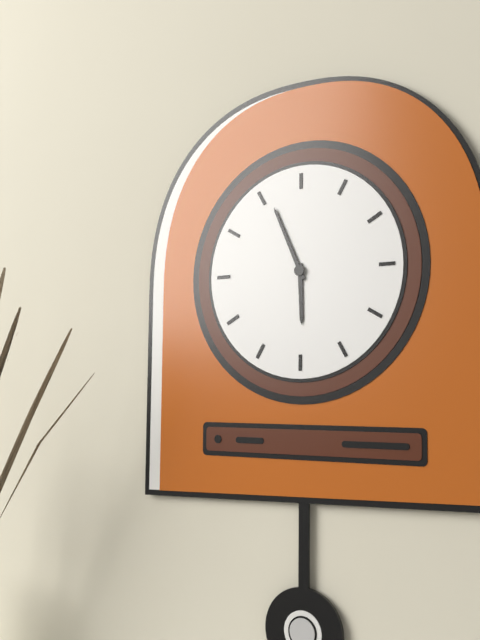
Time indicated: 5:56
